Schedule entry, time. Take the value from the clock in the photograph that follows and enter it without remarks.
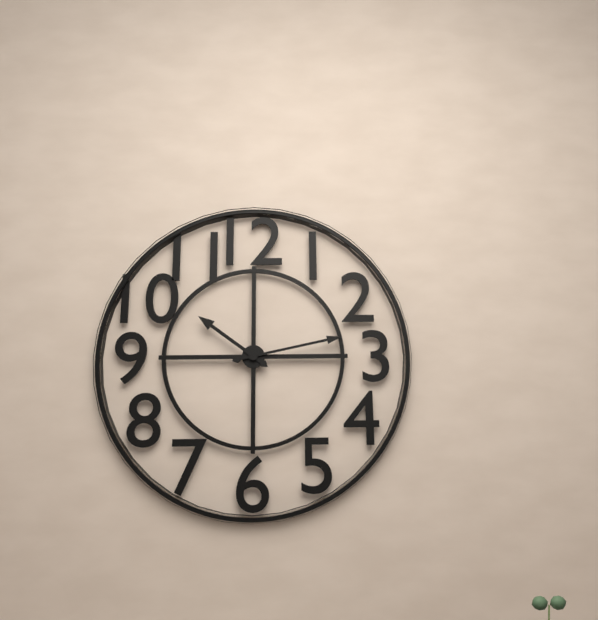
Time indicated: 10:13
